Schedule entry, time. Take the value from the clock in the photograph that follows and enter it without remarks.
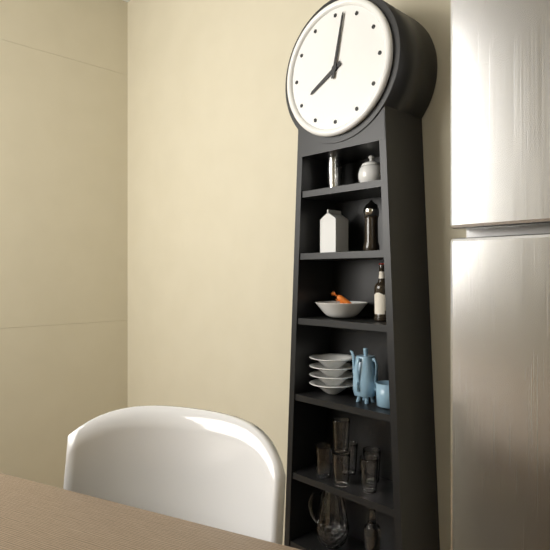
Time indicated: 8:02
